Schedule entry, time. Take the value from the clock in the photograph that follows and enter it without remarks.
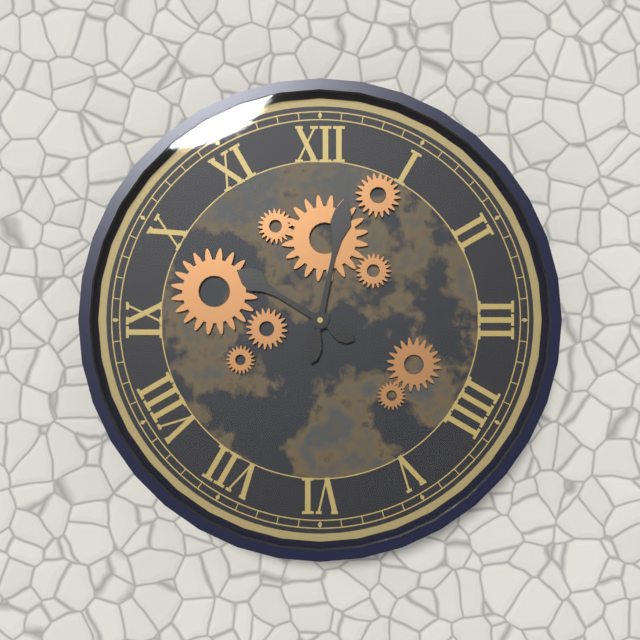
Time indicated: 10:02
